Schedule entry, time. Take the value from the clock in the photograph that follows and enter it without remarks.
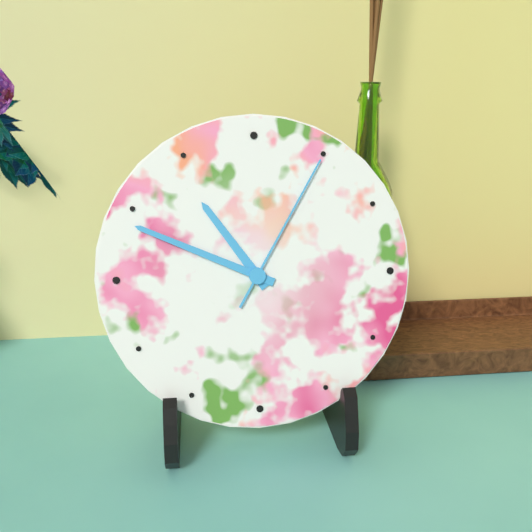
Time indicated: 10:49:05
